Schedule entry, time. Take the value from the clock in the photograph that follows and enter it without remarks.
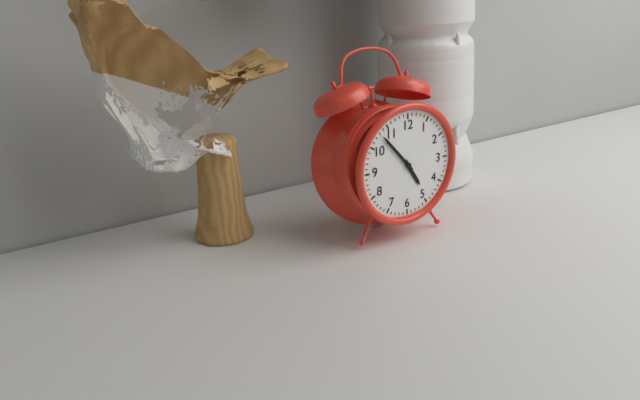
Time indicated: 4:53
